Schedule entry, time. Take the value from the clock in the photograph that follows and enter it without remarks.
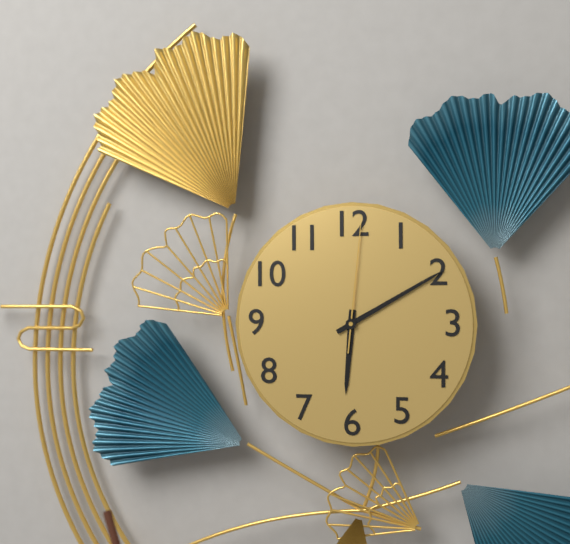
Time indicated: 6:10:01
